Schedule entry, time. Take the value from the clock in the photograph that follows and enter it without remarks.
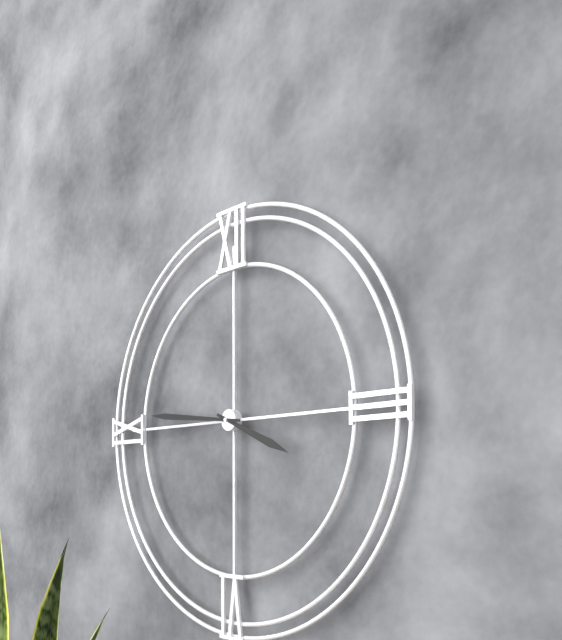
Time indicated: 3:46
